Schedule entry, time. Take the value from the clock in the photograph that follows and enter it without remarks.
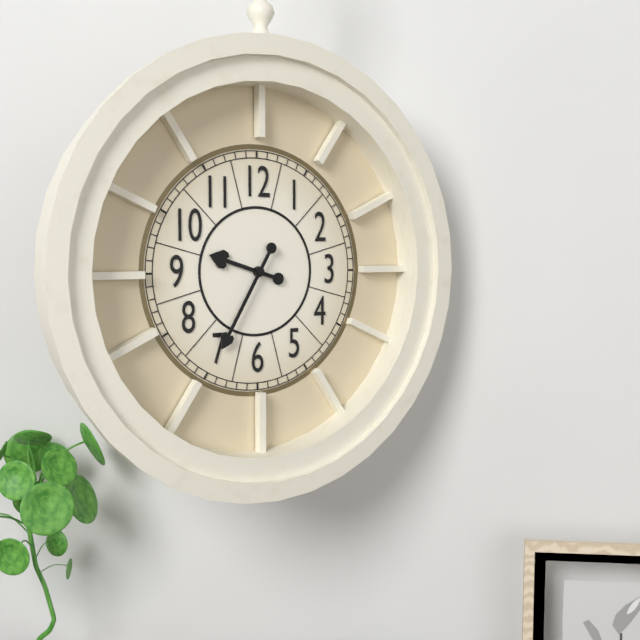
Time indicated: 9:35
